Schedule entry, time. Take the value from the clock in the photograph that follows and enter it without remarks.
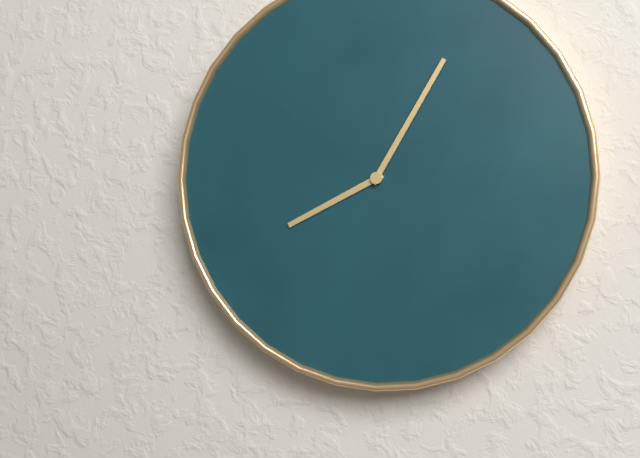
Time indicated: 8:05
